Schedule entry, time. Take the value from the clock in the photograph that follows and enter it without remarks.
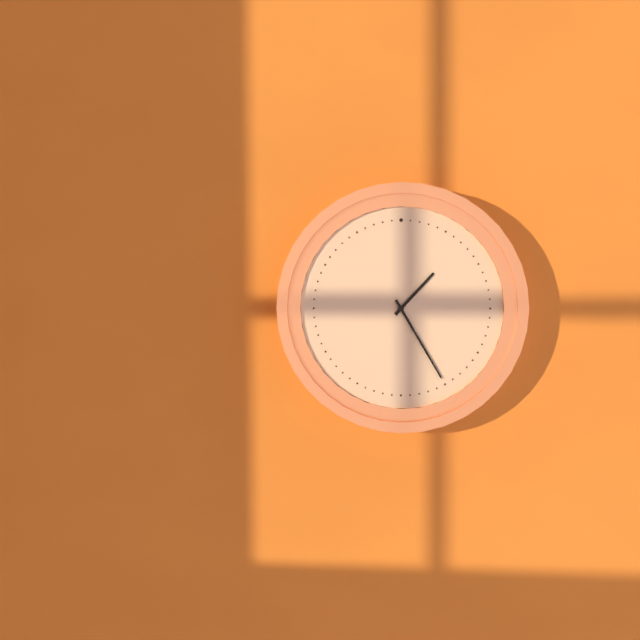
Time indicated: 1:25
